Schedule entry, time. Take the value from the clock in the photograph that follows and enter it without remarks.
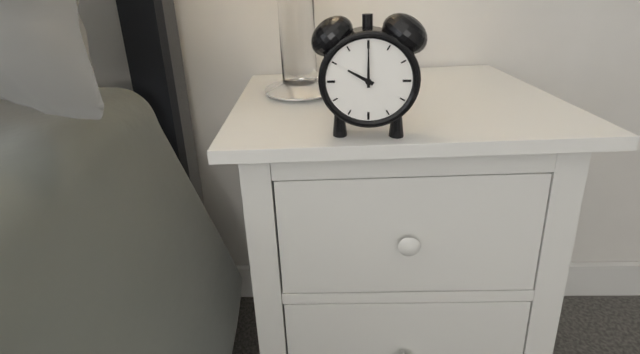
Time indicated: 10:00
